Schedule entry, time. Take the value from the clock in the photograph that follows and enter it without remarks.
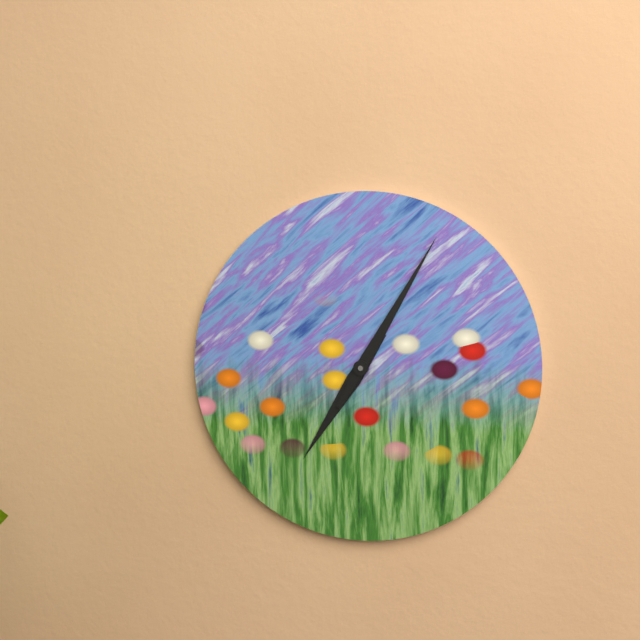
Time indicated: 7:05
